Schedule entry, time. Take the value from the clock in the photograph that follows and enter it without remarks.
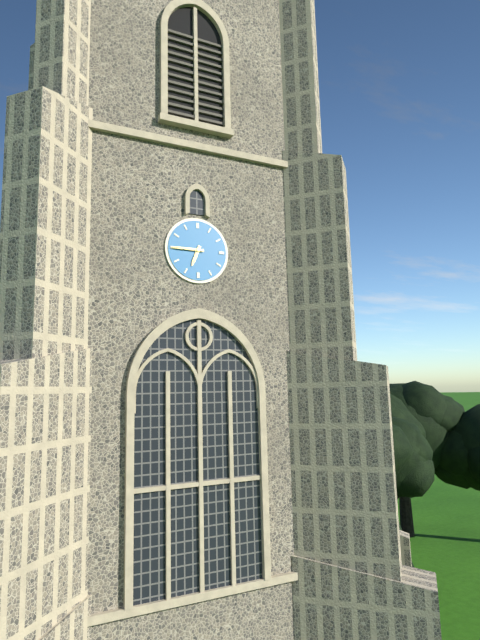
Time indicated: 6:45
